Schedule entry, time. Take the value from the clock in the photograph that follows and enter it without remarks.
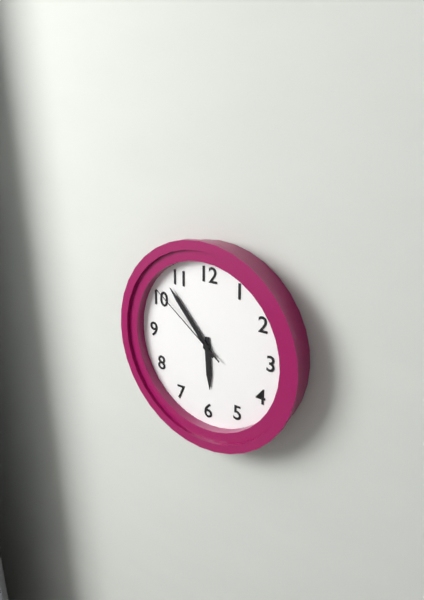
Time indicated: 5:53:51
